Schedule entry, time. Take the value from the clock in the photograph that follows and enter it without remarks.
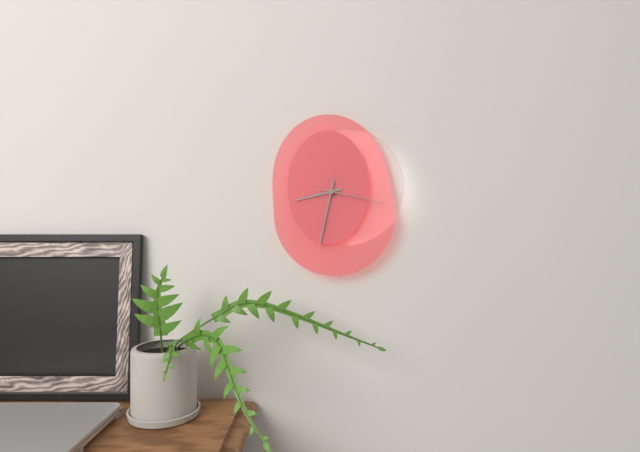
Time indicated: 8:32:17
